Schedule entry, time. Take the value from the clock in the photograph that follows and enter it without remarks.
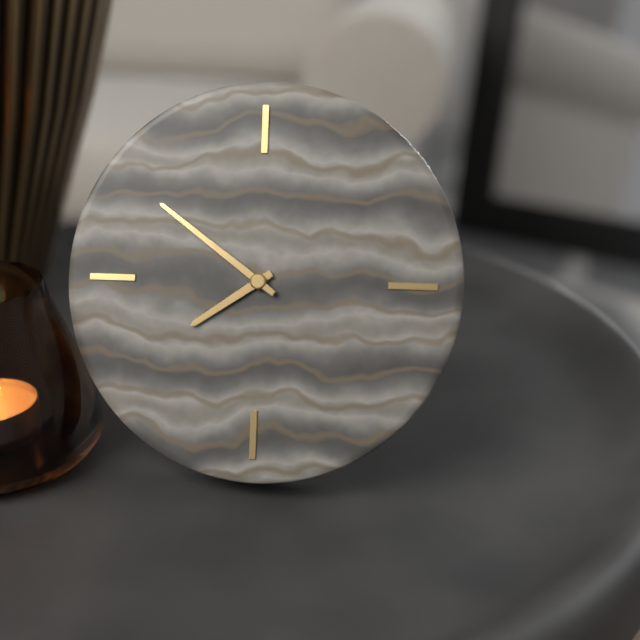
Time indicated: 7:51
